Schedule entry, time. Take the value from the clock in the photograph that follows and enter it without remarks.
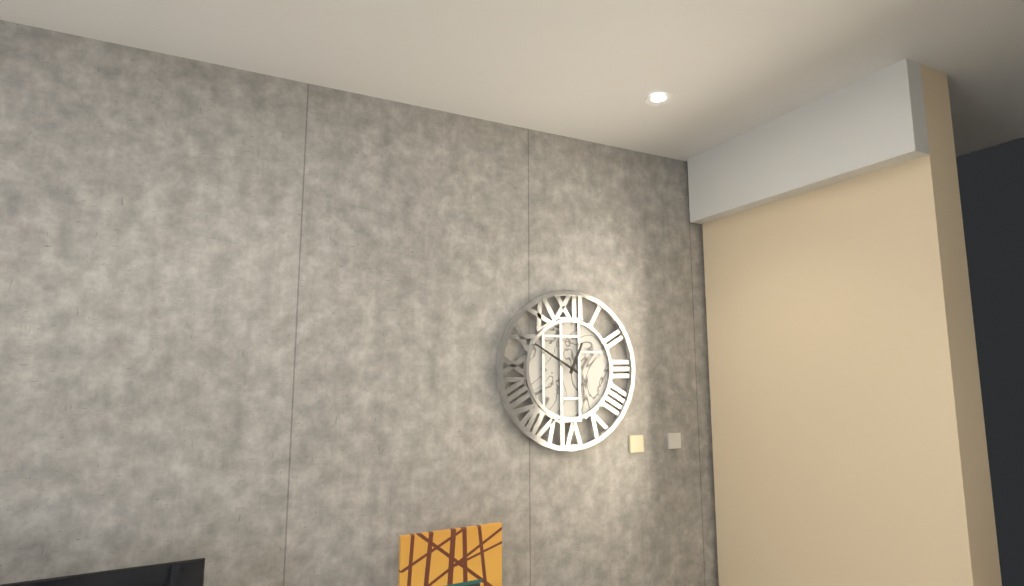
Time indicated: 12:50
